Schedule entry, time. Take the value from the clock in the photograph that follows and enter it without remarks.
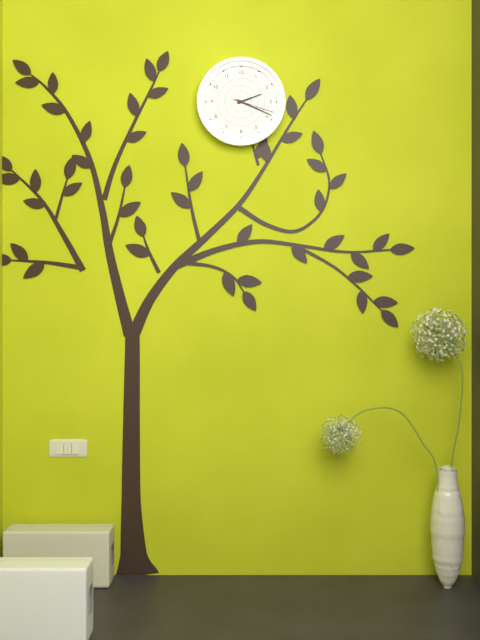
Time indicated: 2:19
